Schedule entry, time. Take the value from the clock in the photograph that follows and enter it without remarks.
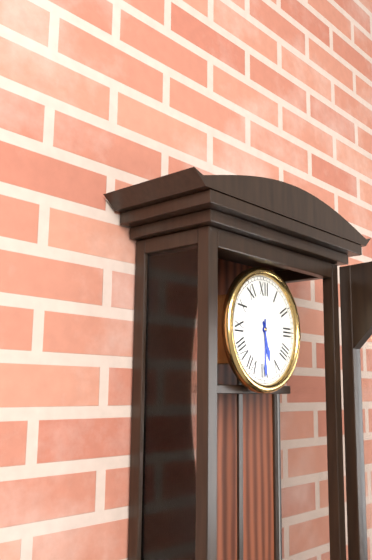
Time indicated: 5:30
